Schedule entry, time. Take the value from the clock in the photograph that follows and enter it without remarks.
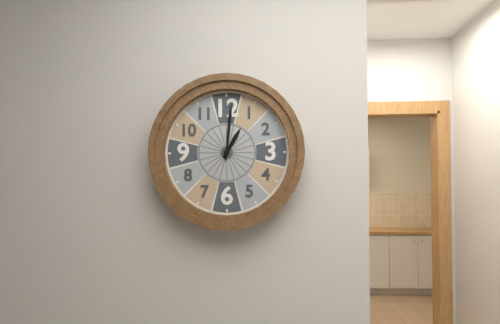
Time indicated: 1:01
